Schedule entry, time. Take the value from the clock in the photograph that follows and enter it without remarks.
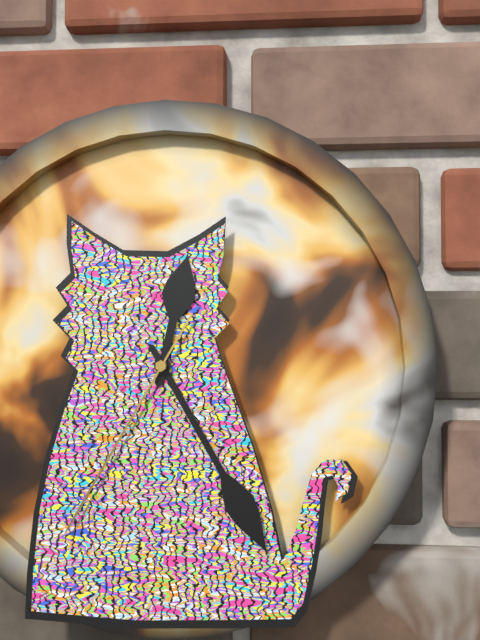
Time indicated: 12:25:35
